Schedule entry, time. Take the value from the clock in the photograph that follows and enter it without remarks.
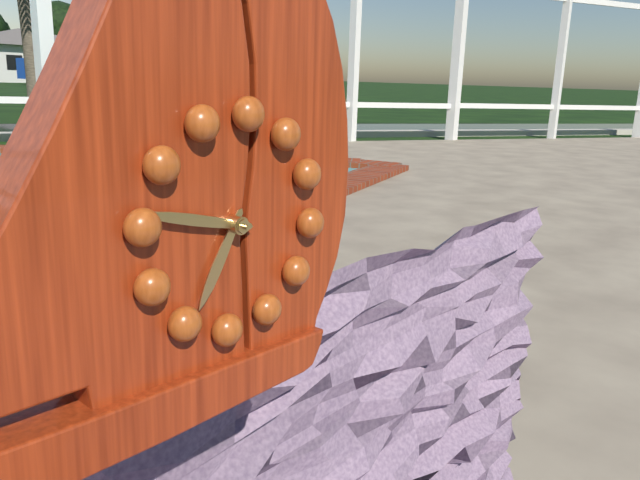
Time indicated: 6:46
